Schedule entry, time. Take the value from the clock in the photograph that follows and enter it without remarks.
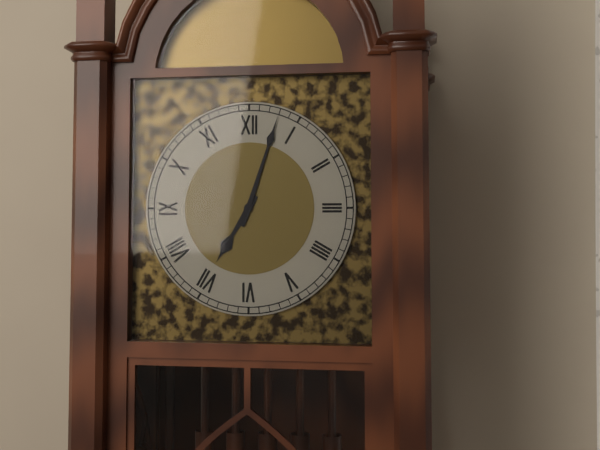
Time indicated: 7:03
